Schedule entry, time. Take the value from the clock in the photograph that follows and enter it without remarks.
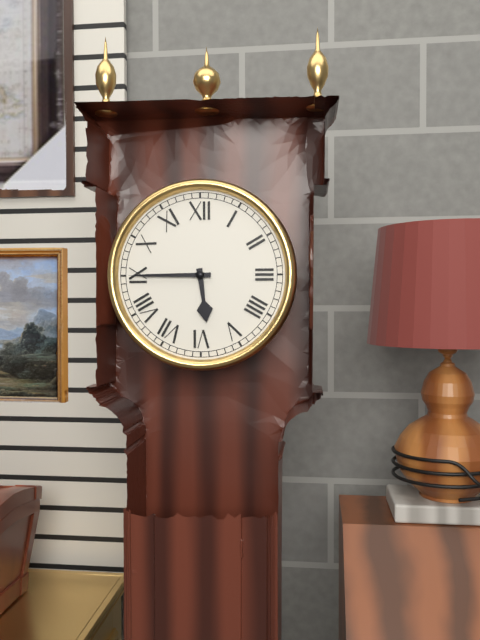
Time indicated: 5:45
